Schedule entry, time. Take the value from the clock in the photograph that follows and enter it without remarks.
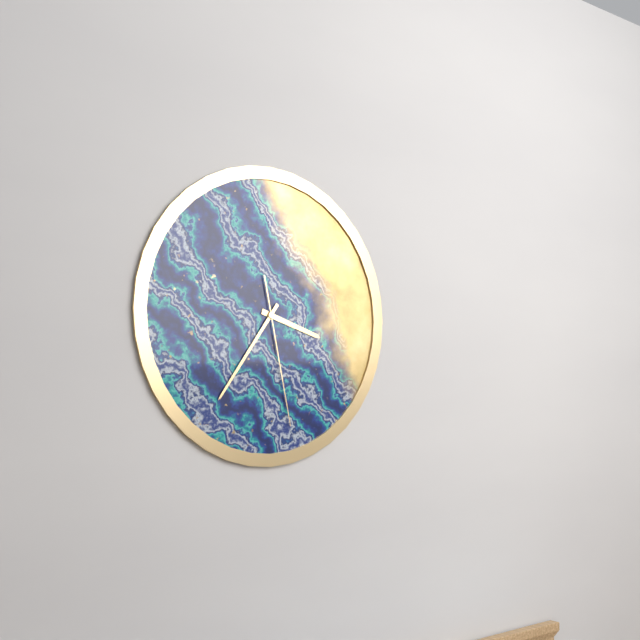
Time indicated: 3:36:28
